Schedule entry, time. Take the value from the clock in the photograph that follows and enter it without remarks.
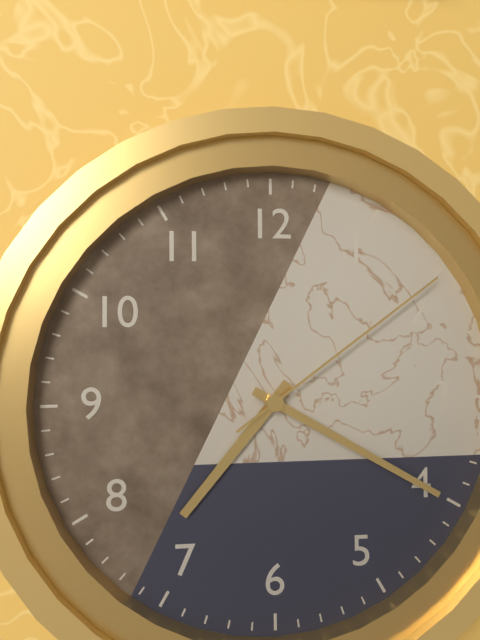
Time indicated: 7:20:09
